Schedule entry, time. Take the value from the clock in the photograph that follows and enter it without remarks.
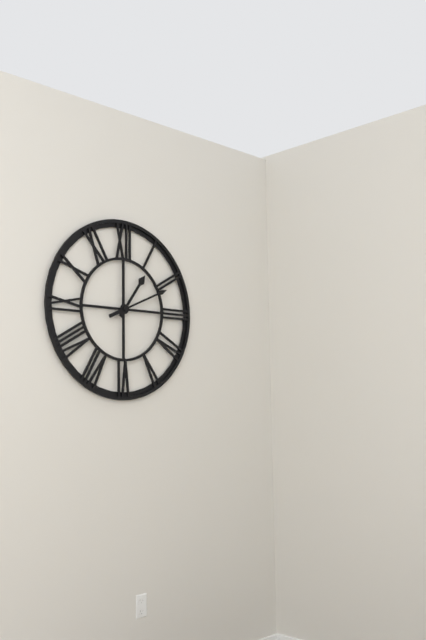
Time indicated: 1:11
